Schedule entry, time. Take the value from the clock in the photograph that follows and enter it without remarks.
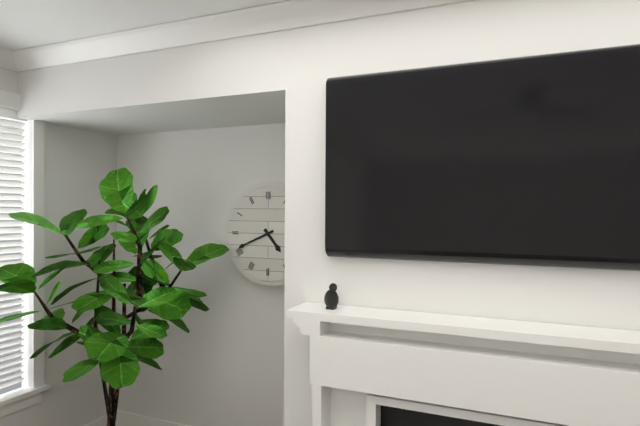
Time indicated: 4:41
